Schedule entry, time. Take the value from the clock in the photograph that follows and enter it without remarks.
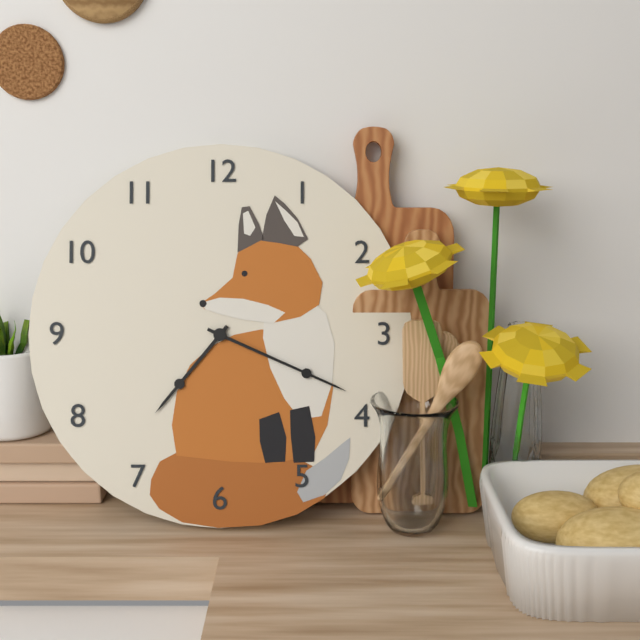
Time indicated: 7:19
